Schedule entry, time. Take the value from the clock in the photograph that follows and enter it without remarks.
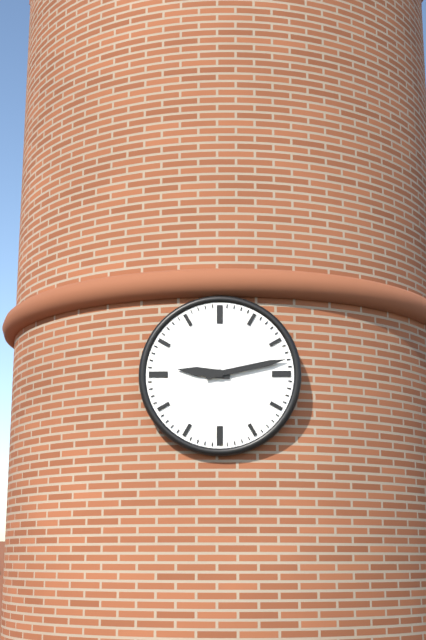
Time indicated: 9:13
